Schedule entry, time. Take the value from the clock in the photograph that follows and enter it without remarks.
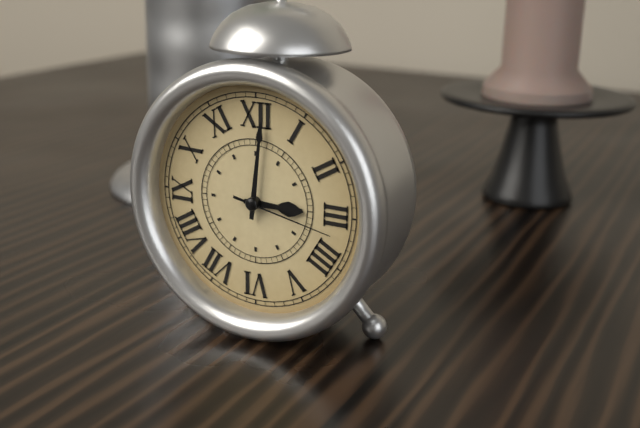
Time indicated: 3:01:17
